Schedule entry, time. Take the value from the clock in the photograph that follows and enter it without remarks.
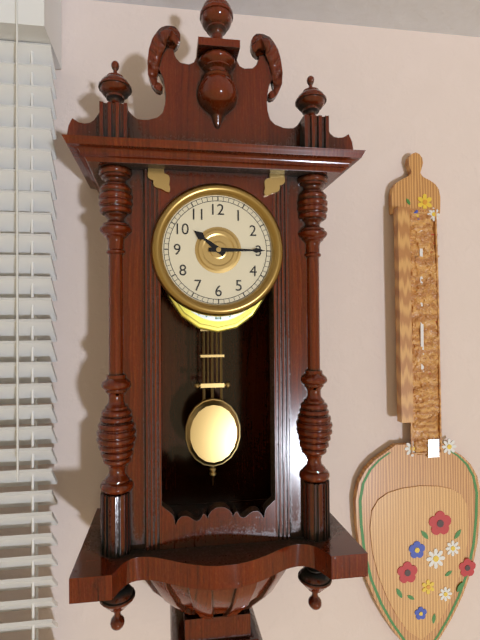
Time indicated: 10:15
